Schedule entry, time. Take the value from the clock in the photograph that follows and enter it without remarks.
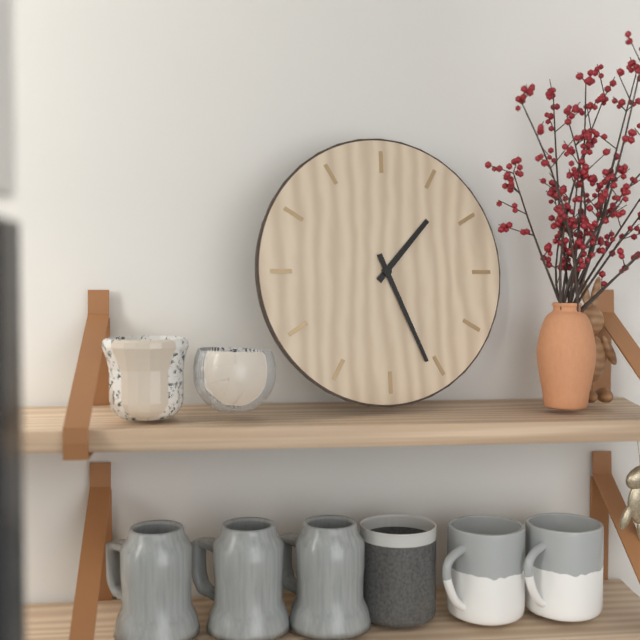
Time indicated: 1:26
